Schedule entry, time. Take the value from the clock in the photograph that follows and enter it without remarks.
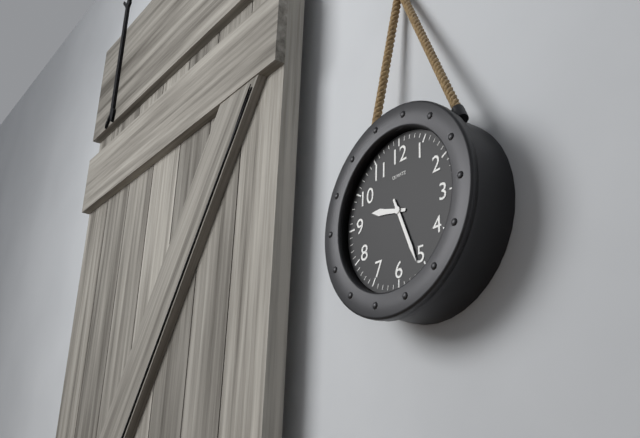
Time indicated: 9:26
